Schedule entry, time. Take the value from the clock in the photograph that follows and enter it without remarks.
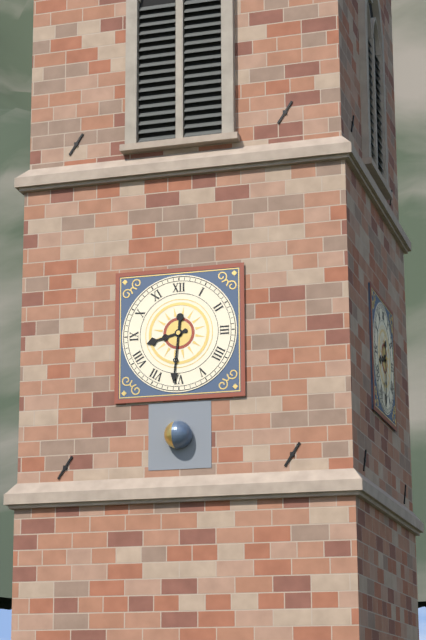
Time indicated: 8:31
